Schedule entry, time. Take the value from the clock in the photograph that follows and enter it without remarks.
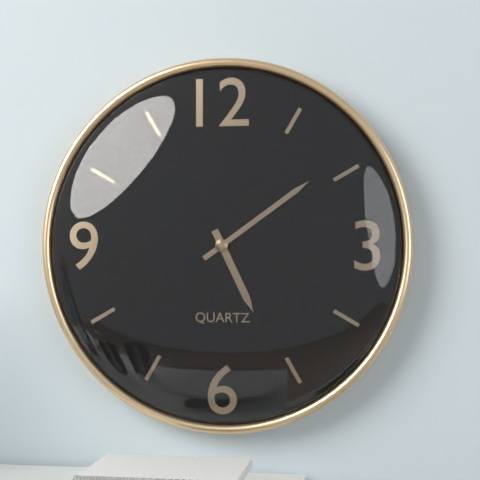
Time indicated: 5:09
